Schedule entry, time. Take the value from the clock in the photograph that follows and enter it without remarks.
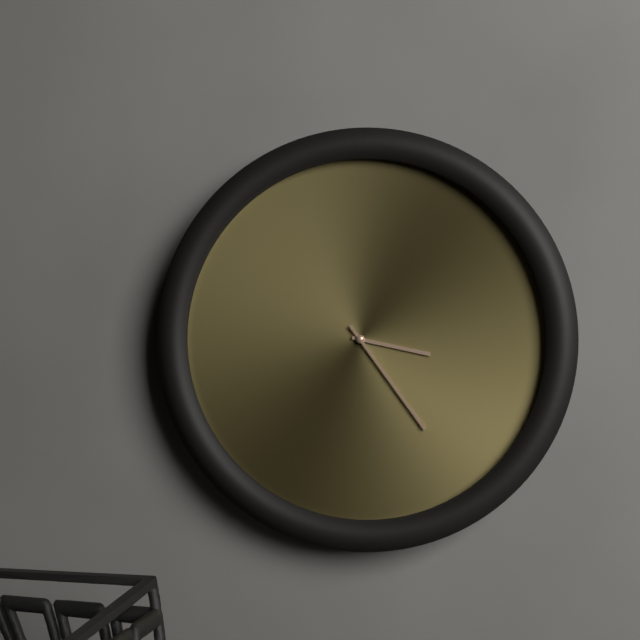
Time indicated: 3:24
